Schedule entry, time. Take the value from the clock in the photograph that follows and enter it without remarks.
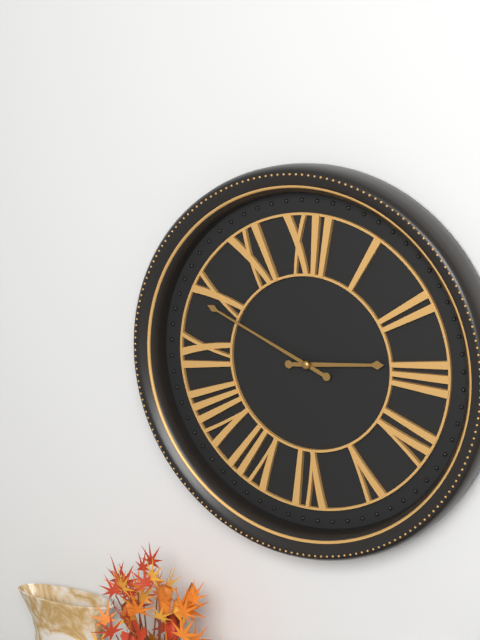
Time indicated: 2:49
